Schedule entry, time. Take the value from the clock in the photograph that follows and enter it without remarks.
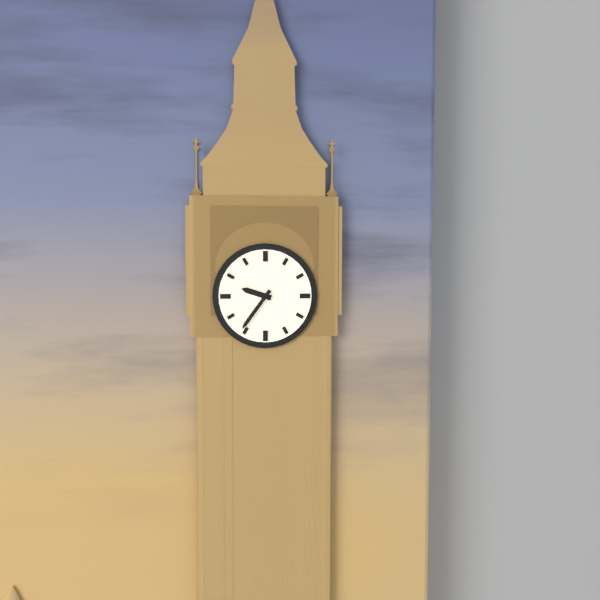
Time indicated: 9:36
